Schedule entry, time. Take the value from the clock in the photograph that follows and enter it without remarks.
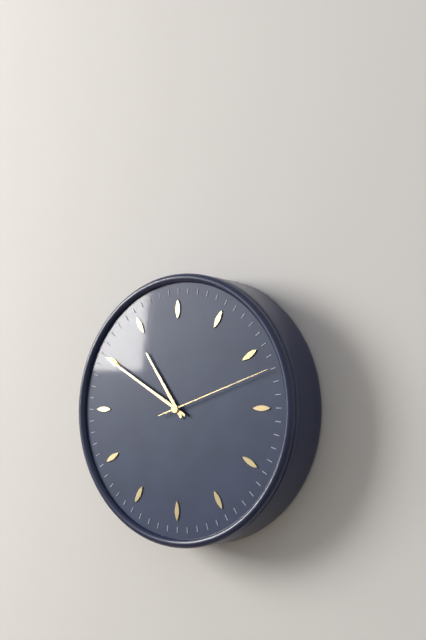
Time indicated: 10:50:12
